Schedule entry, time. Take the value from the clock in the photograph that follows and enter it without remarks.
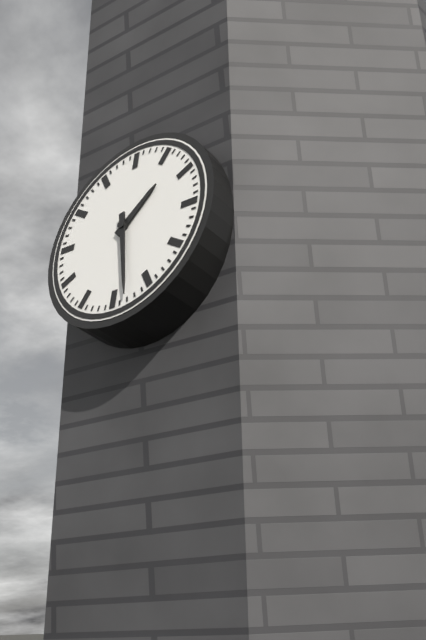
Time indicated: 1:28
